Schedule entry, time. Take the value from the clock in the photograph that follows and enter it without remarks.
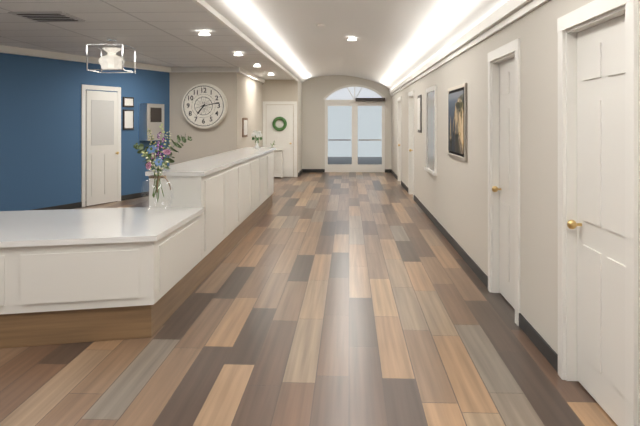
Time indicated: 7:13
